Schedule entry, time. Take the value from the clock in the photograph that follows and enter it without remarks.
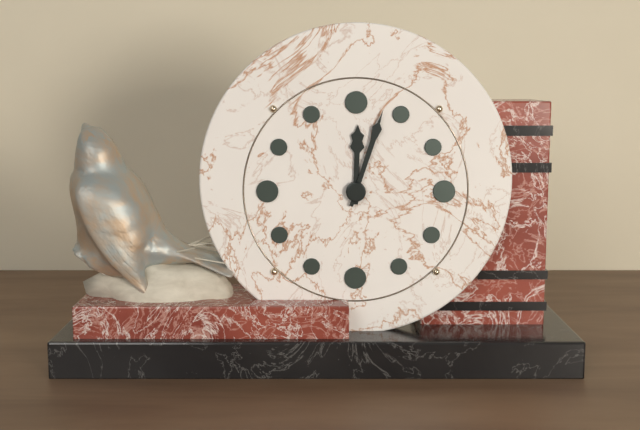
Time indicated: 12:03
